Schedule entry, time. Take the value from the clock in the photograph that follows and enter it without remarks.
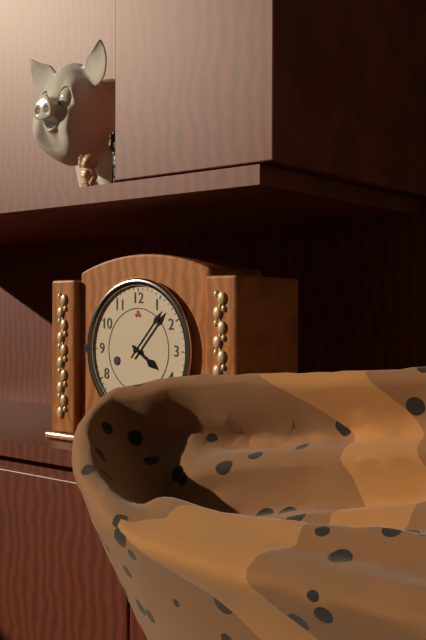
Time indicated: 4:07
